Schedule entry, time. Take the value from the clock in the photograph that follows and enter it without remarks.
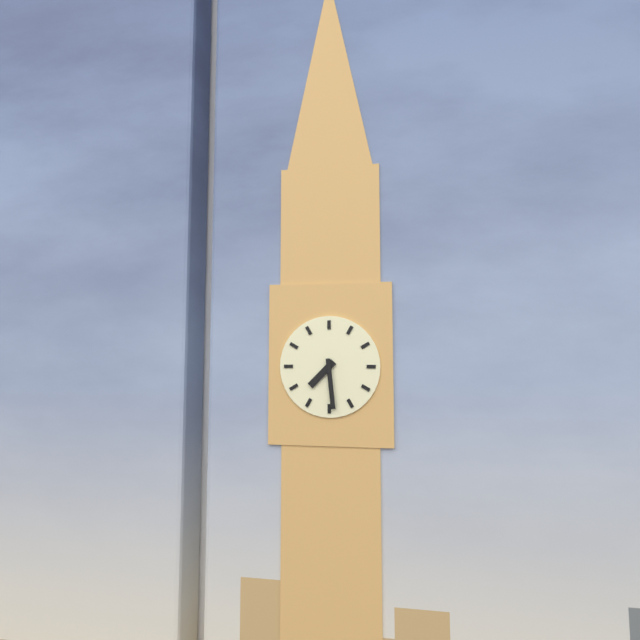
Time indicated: 7:29
